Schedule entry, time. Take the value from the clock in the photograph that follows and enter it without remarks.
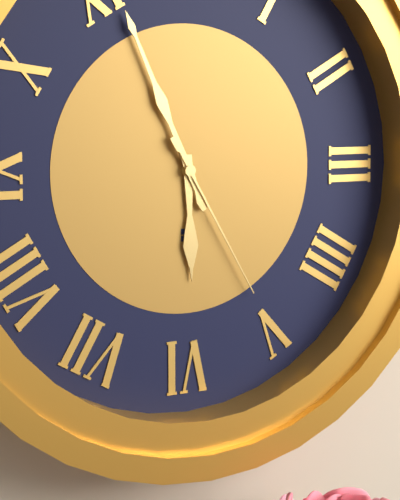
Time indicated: 5:56:25
